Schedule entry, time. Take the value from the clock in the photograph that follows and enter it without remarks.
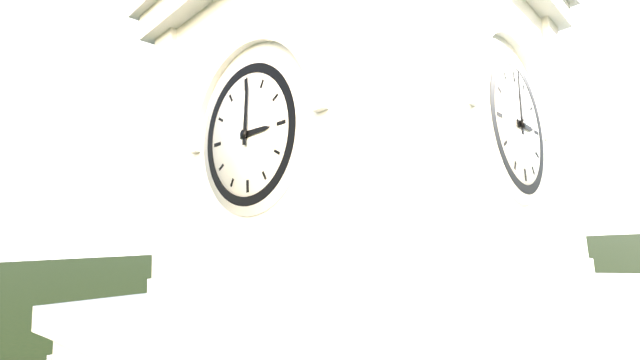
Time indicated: 3:01
